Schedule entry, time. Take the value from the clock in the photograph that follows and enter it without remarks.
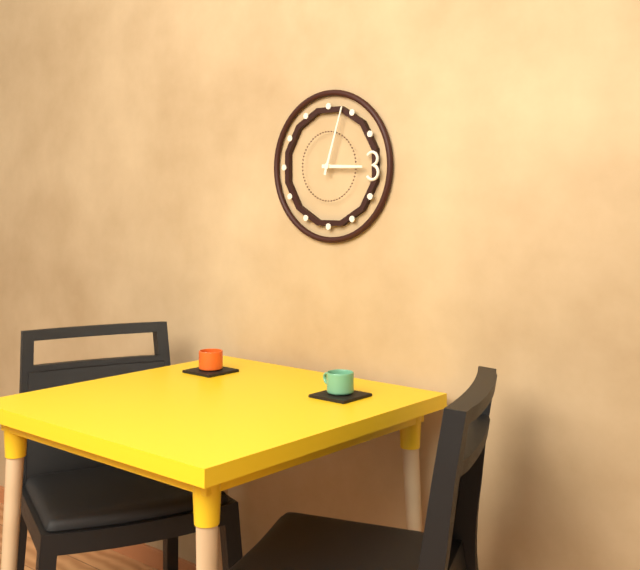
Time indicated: 3:03
